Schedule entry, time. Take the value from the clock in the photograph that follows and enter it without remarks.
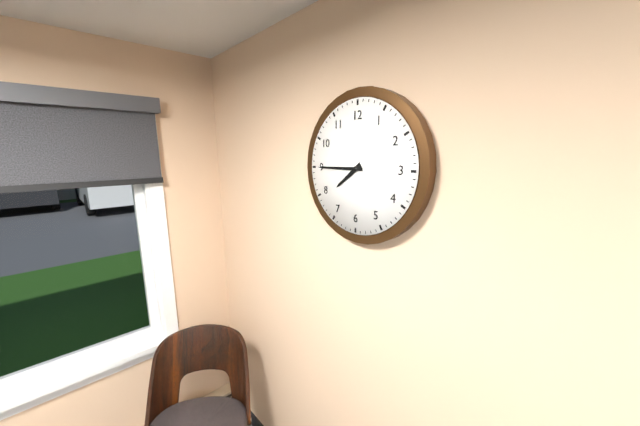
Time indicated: 7:45
